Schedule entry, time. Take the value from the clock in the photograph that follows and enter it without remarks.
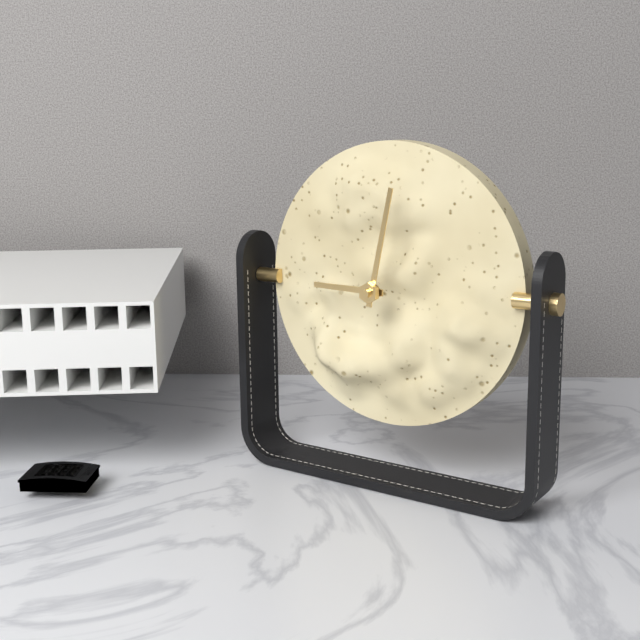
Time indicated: 9:02
